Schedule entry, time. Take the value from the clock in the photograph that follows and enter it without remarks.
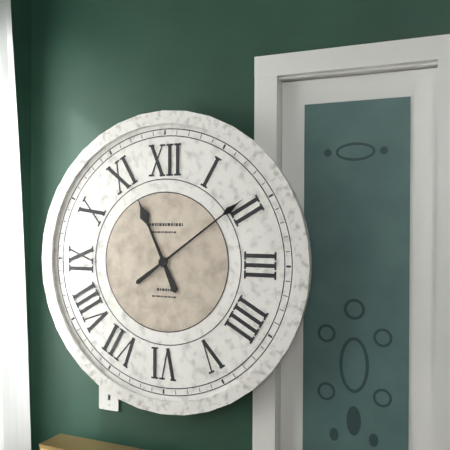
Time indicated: 11:09
